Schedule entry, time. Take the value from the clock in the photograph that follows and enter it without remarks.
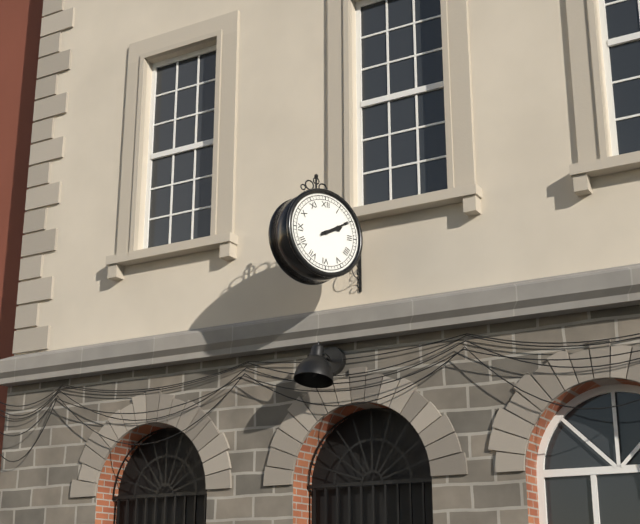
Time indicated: 2:10
